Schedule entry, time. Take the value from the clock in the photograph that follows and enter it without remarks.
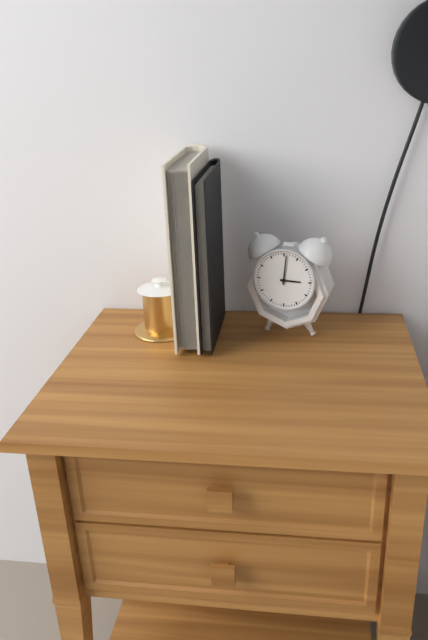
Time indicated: 3:01
